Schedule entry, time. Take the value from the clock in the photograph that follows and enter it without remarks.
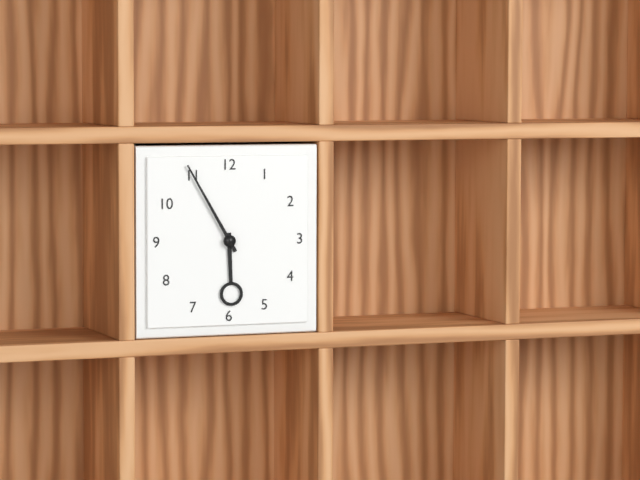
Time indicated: 5:55
